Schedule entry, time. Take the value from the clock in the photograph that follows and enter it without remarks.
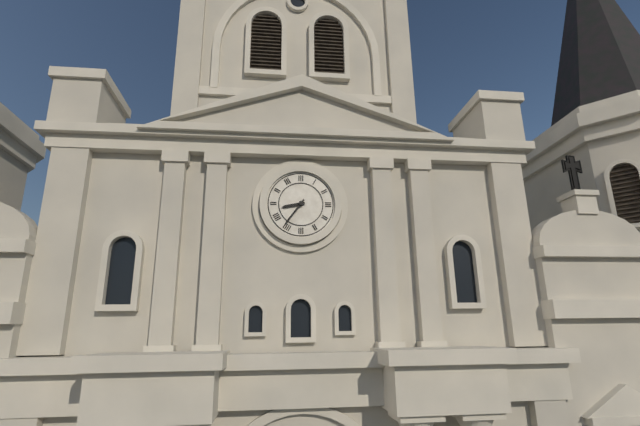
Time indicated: 8:36
